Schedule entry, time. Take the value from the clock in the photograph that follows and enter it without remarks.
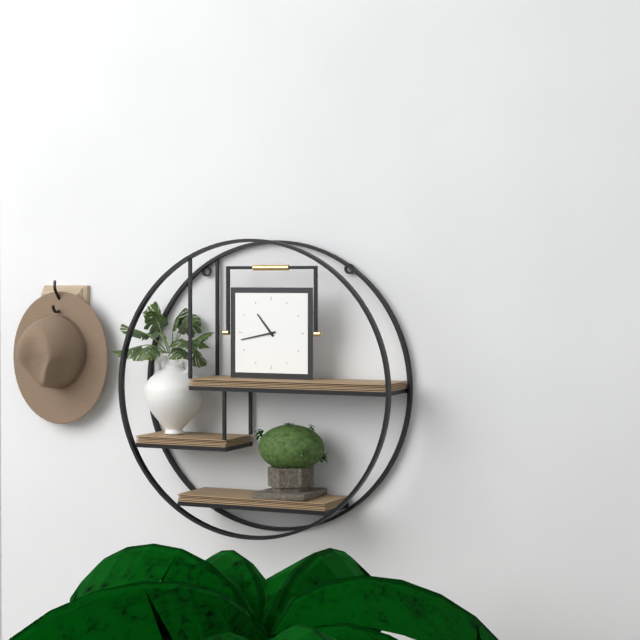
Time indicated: 10:43
